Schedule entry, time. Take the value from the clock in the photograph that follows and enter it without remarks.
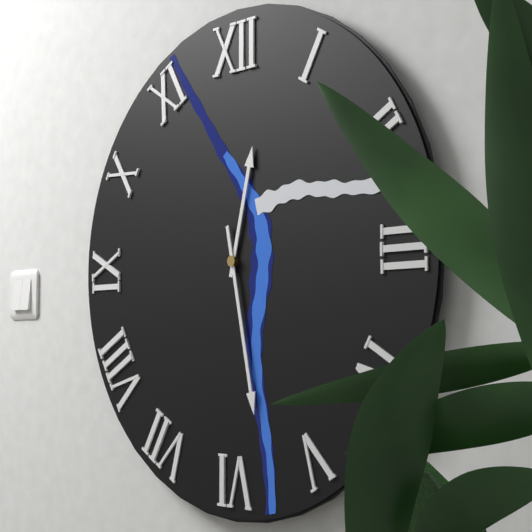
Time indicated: 12:28
